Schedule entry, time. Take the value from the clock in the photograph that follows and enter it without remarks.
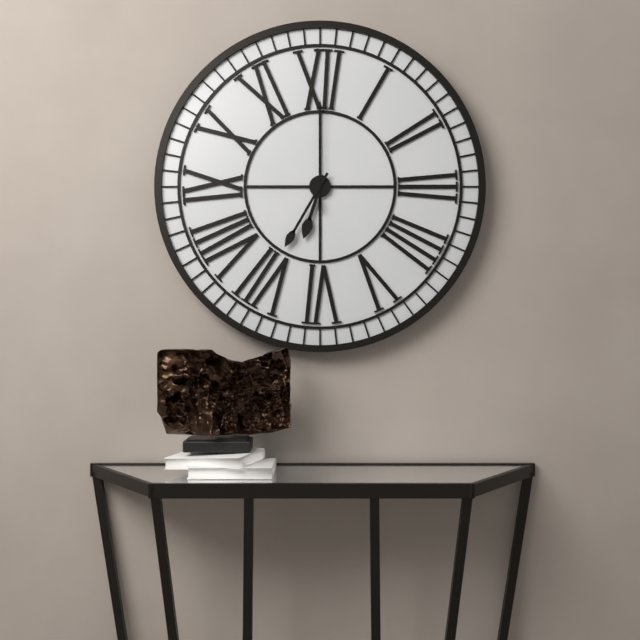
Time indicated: 6:35:00
